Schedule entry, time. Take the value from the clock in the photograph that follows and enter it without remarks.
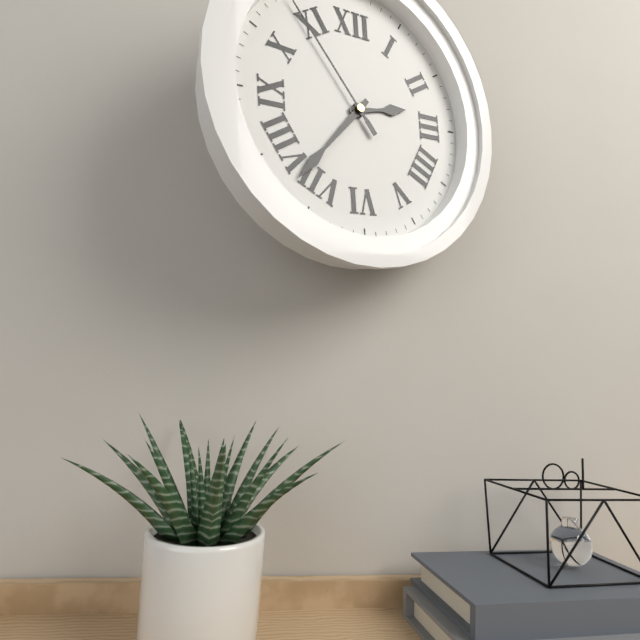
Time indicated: 2:37
